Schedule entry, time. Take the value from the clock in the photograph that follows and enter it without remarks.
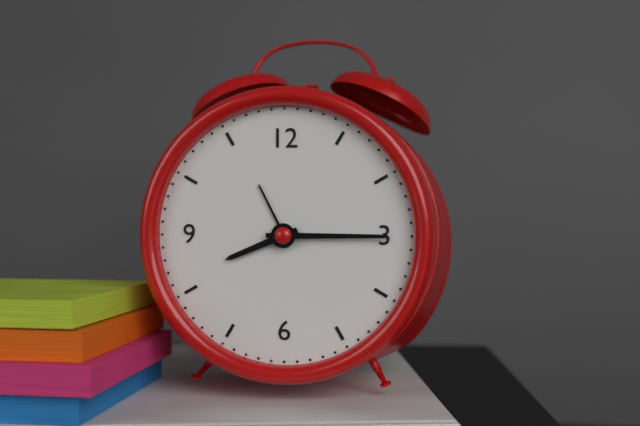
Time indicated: 8:15
